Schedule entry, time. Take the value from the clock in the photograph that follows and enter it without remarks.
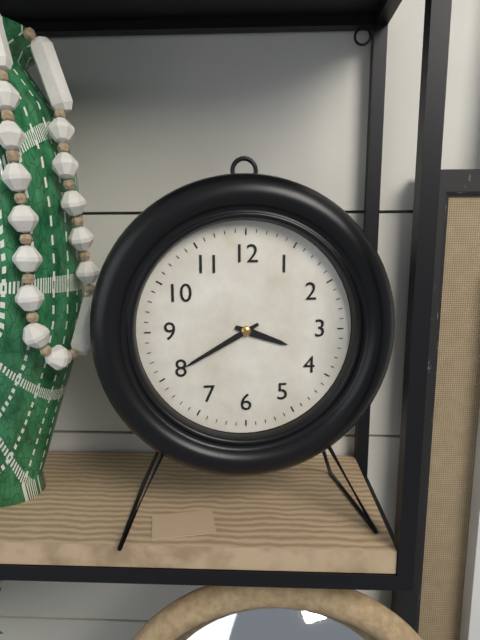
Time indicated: 3:40
